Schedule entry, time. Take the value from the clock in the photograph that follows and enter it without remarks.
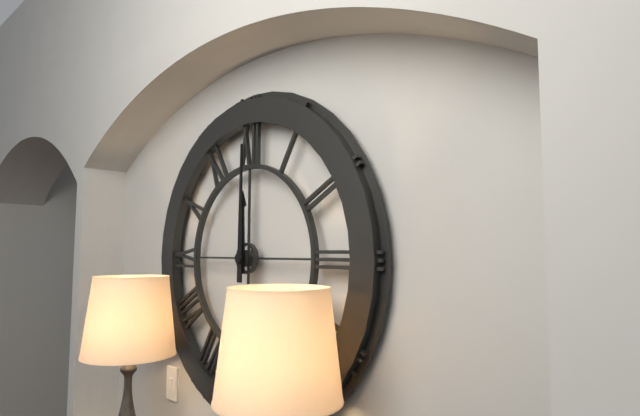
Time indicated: 12:00
